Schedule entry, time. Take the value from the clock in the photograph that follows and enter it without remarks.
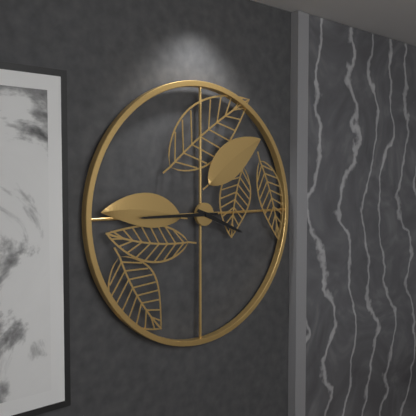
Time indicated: 3:45
